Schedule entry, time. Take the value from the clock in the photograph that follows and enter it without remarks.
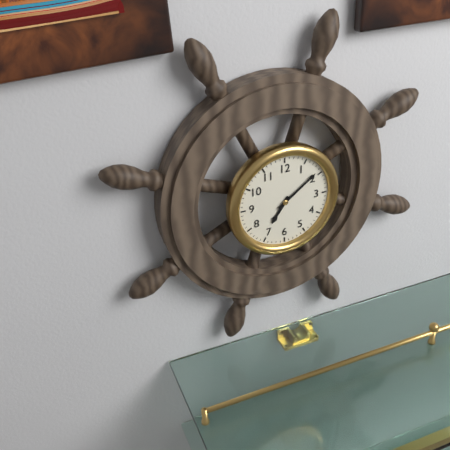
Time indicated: 7:09
